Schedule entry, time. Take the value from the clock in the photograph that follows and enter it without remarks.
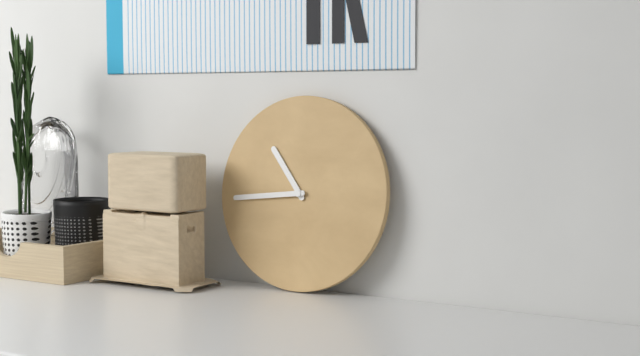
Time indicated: 10:44
